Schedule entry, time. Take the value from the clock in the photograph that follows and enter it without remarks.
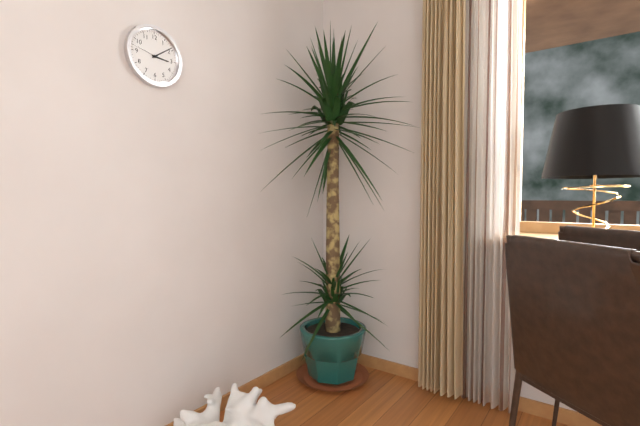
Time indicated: 3:09
